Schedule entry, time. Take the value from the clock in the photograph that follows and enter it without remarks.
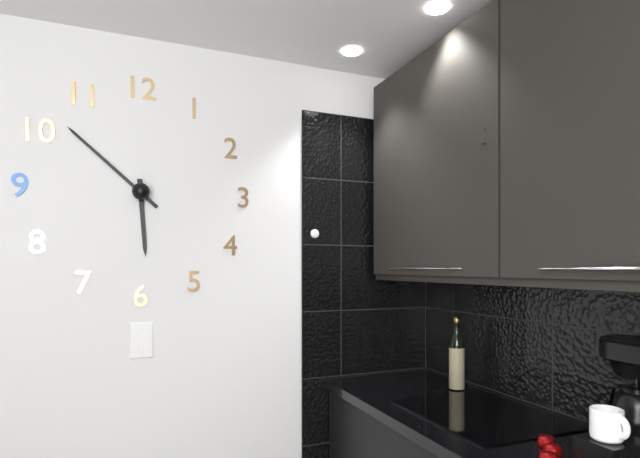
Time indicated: 5:52
